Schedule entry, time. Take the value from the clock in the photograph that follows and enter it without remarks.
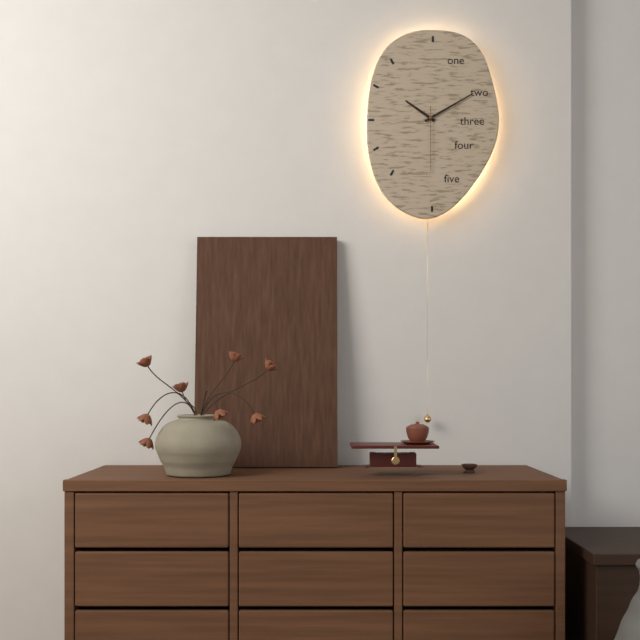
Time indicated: 10:10:30
